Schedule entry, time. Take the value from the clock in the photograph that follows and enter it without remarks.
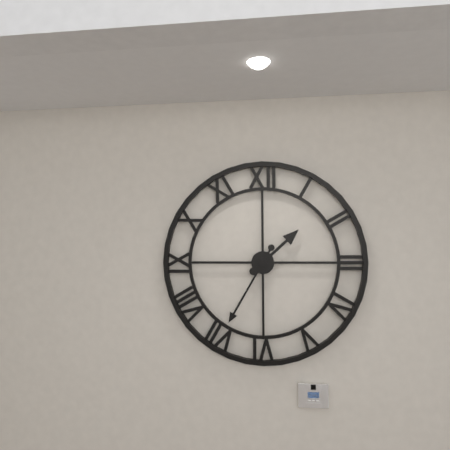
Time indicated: 1:35
